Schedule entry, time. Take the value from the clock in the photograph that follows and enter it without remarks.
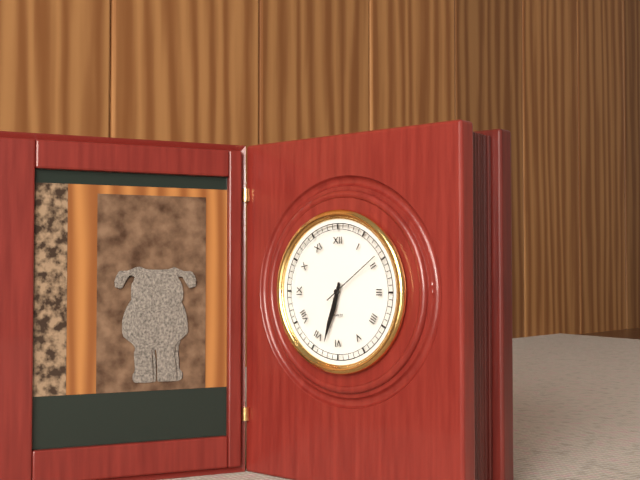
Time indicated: 6:33:09
